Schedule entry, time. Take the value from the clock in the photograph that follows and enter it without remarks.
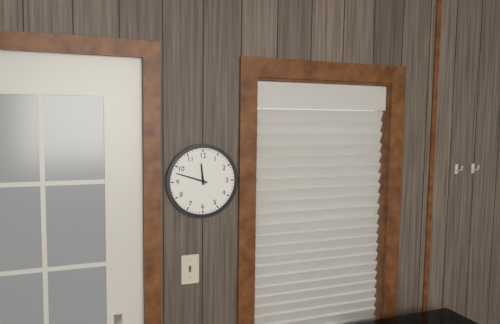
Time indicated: 11:48
